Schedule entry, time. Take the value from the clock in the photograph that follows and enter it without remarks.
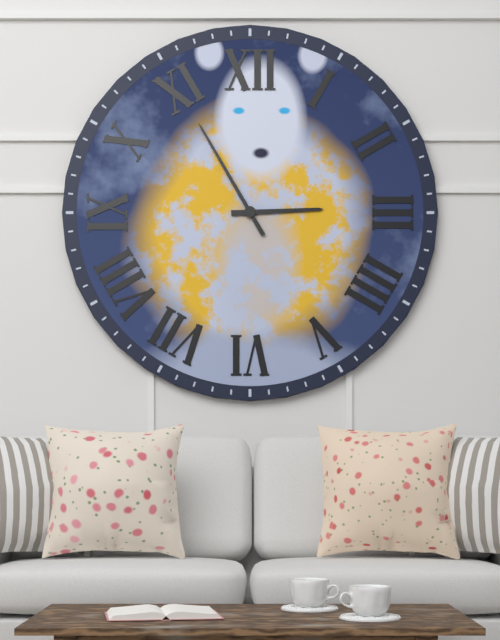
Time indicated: 2:55
